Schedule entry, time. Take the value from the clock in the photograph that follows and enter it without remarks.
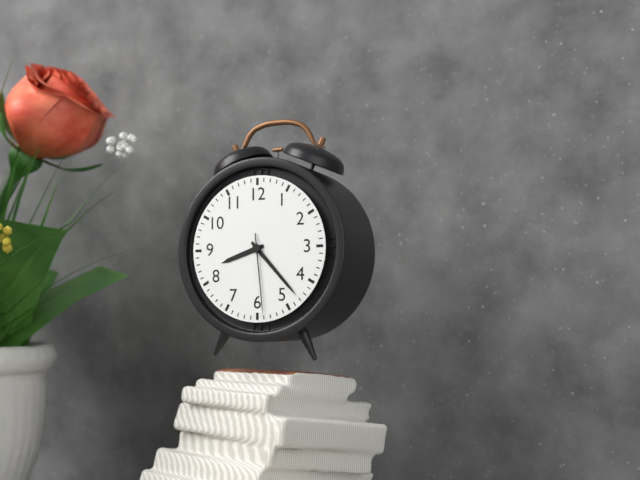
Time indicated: 8:23:29
